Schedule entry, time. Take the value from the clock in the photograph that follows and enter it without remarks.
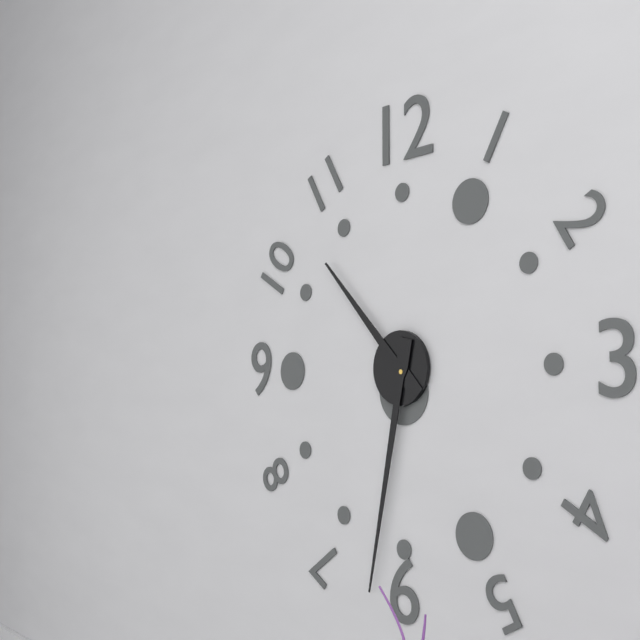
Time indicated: 10:32
